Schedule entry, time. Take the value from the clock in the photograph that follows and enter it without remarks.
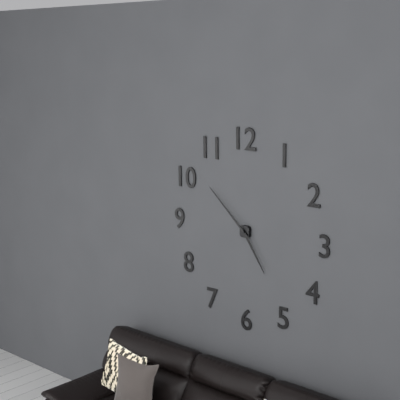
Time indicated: 4:52
